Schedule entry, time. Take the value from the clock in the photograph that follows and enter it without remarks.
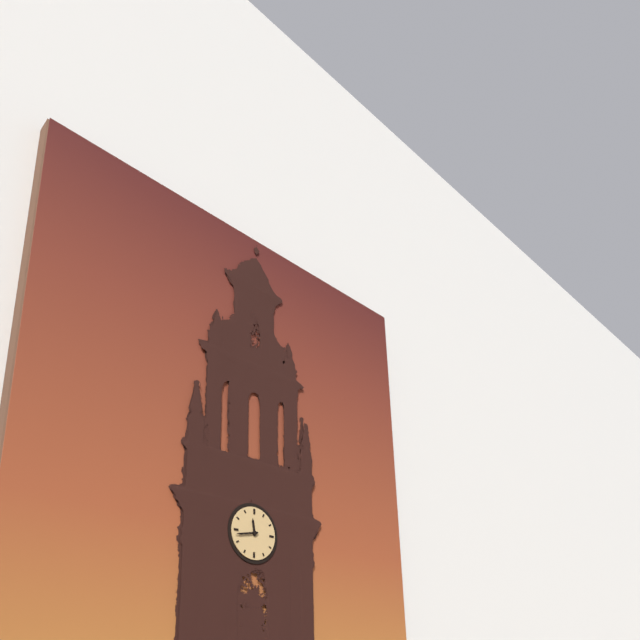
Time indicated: 11:43
